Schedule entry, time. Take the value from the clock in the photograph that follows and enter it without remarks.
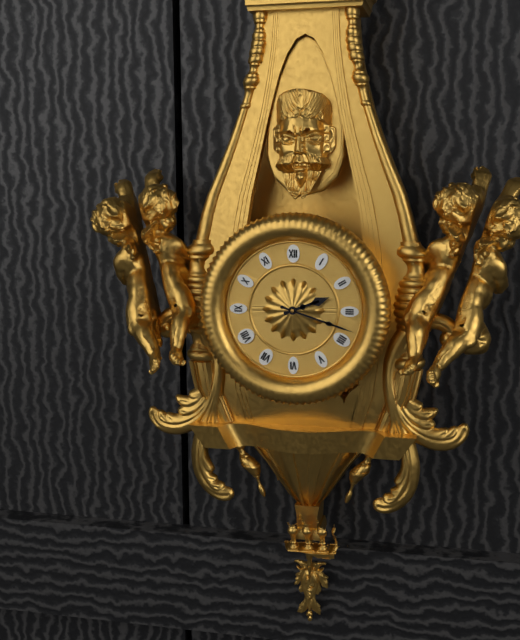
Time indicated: 2:18
